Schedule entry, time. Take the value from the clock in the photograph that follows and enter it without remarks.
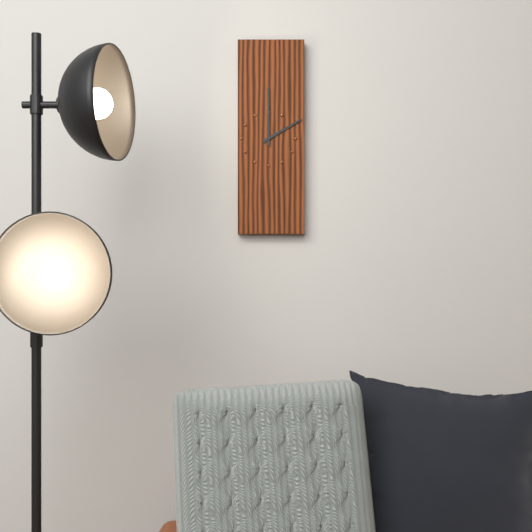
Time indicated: 2:00
